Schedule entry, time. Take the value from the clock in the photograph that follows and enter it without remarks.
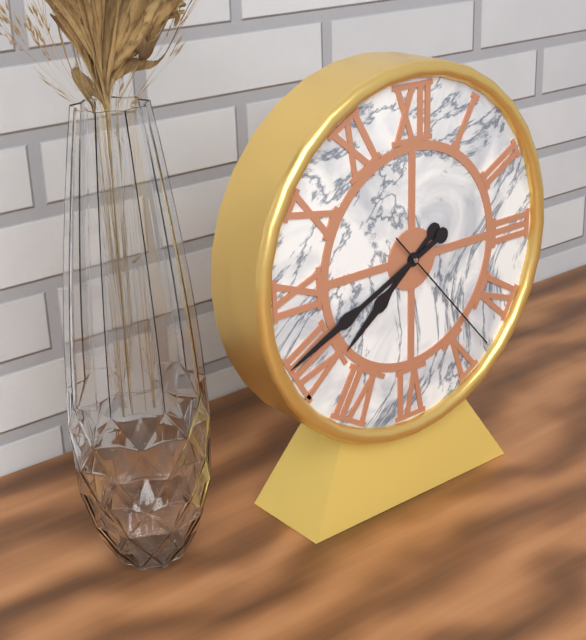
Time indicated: 7:41:23
